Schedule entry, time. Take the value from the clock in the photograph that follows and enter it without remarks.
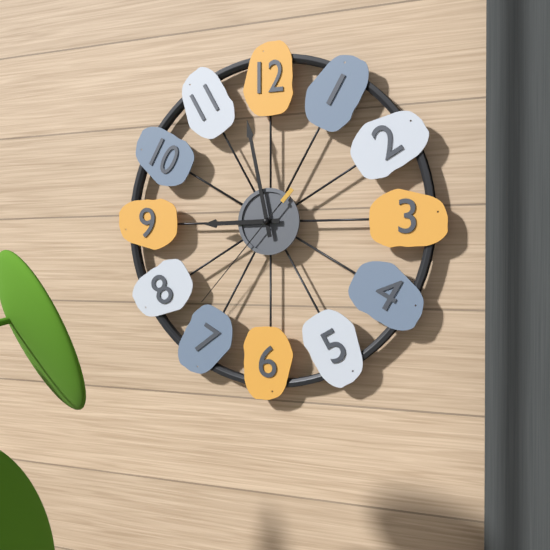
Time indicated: 8:58:37
